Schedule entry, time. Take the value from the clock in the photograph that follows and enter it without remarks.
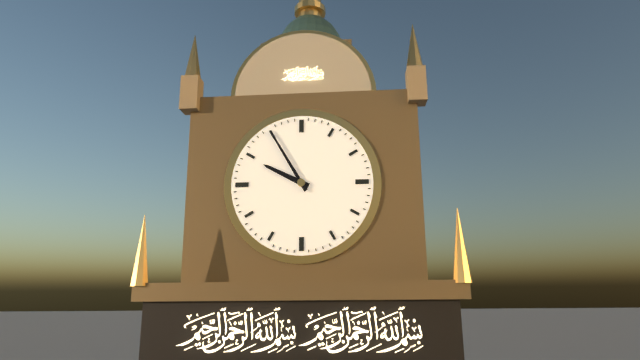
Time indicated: 9:55
